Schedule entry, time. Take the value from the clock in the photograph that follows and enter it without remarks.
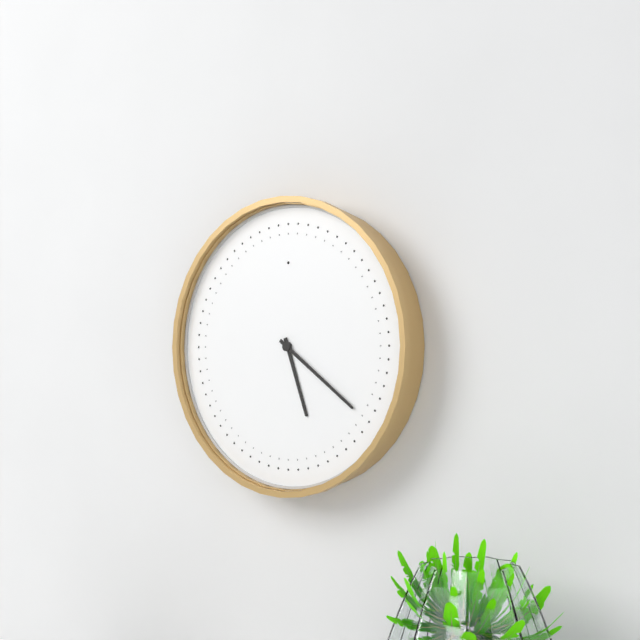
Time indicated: 5:21
